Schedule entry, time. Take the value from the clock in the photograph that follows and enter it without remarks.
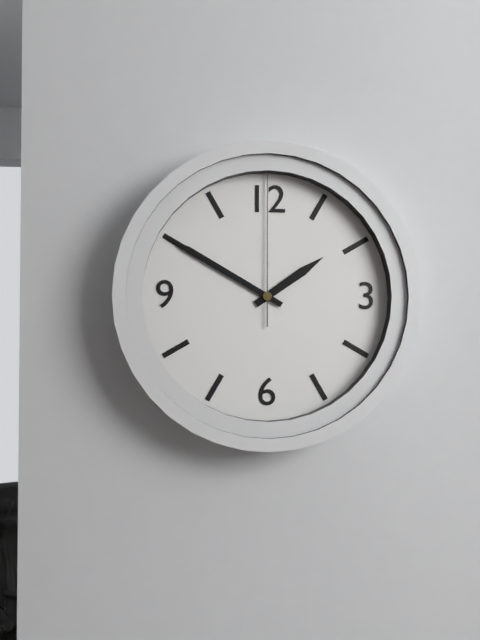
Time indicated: 1:50:00
